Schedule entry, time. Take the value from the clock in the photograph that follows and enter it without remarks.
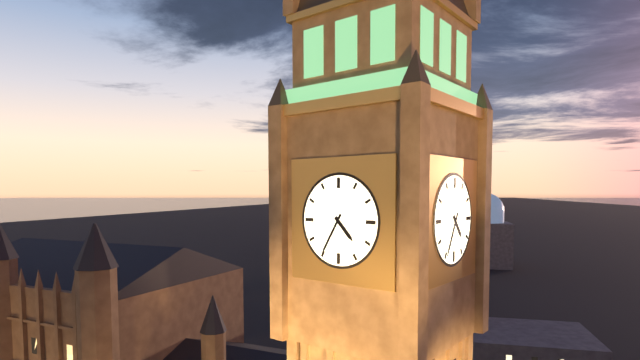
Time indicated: 4:35
